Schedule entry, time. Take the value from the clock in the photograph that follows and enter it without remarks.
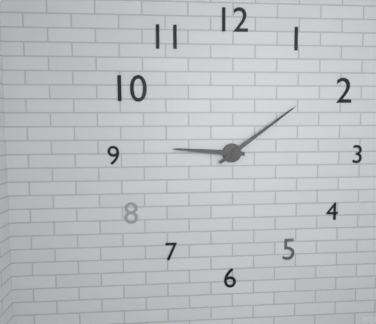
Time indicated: 9:09
